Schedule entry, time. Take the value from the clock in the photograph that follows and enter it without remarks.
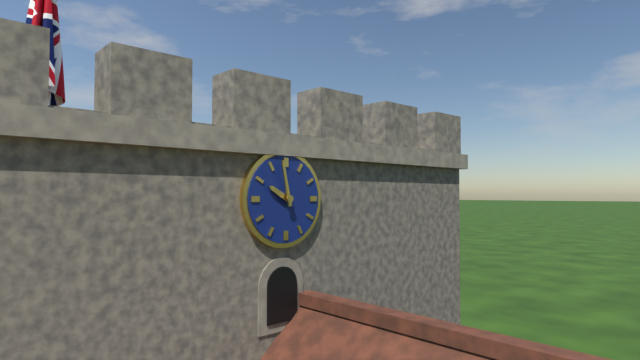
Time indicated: 9:58
